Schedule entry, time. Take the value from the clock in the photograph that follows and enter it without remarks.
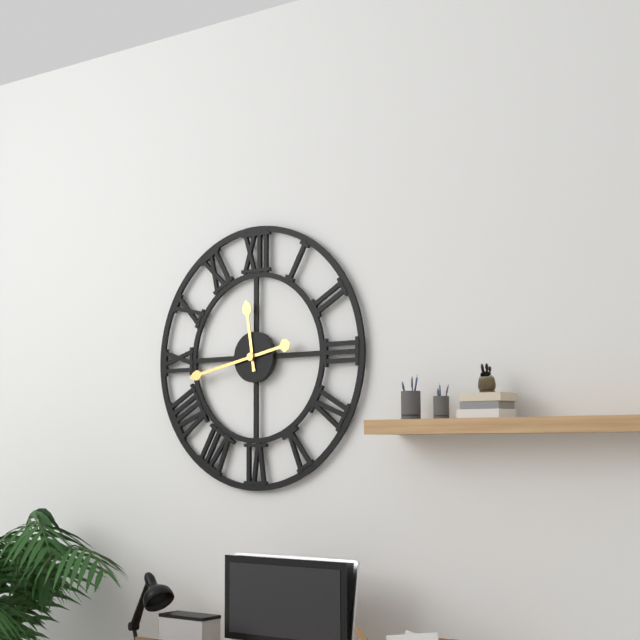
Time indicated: 11:43
